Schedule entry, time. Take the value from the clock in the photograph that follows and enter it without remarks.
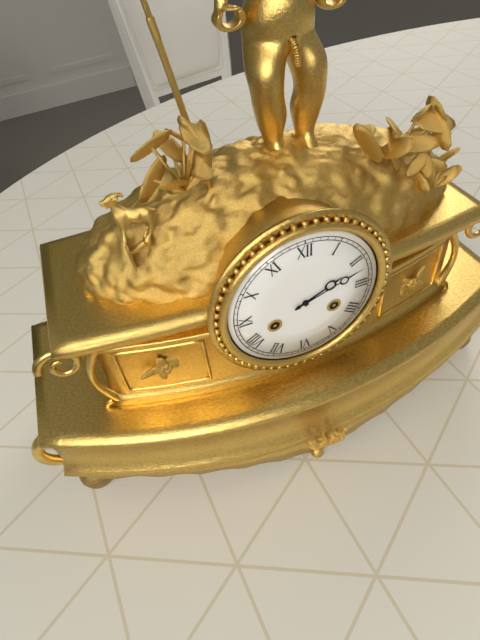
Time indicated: 2:12
